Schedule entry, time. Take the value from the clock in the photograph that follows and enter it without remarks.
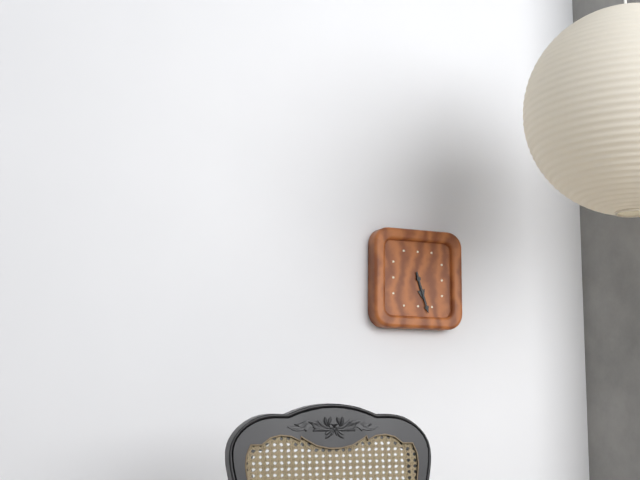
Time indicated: 5:27
